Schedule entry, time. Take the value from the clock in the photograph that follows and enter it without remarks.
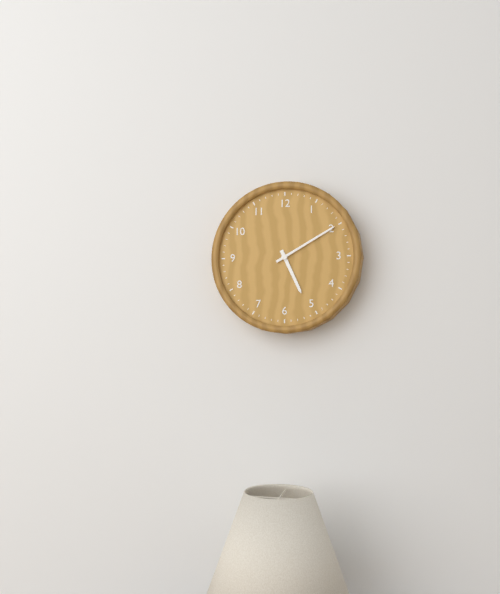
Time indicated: 5:10
